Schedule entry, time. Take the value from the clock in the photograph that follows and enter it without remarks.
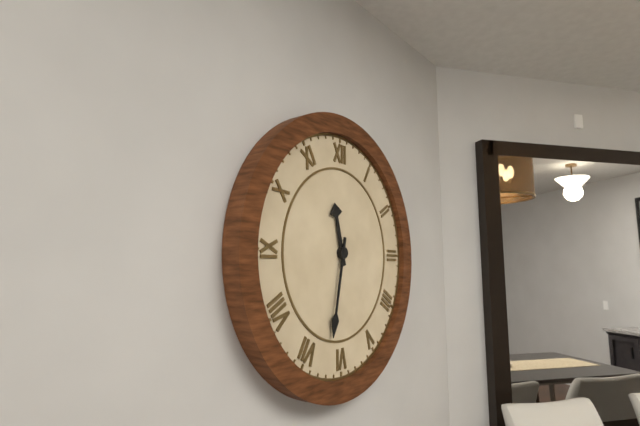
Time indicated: 11:32
